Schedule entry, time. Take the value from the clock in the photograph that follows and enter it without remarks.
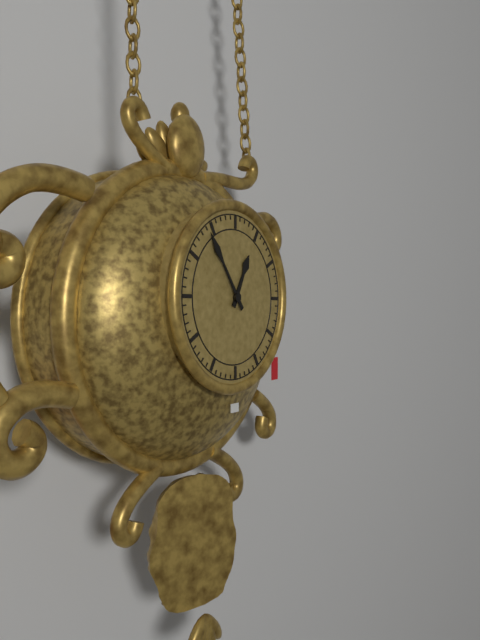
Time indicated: 12:54
